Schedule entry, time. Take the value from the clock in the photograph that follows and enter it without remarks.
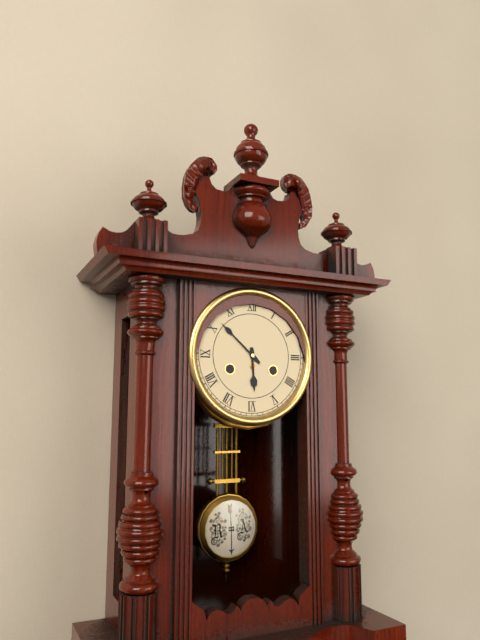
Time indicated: 5:52
